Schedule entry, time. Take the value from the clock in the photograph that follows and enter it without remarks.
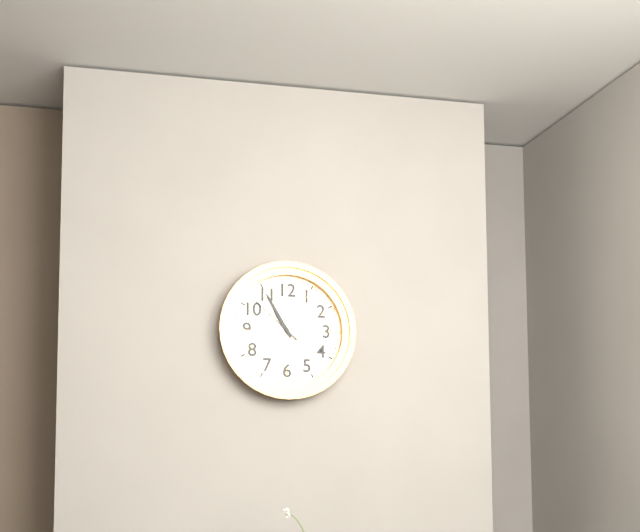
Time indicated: 10:55:52
